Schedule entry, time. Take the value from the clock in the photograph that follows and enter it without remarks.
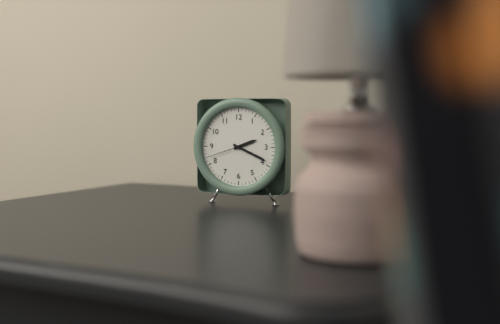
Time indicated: 2:19
